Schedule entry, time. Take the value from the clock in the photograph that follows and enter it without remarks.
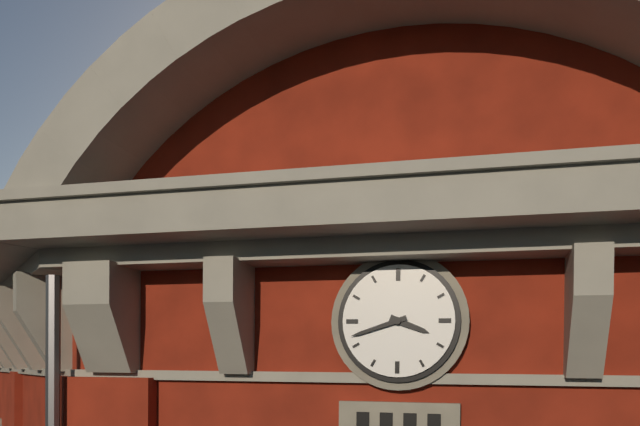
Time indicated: 3:42
